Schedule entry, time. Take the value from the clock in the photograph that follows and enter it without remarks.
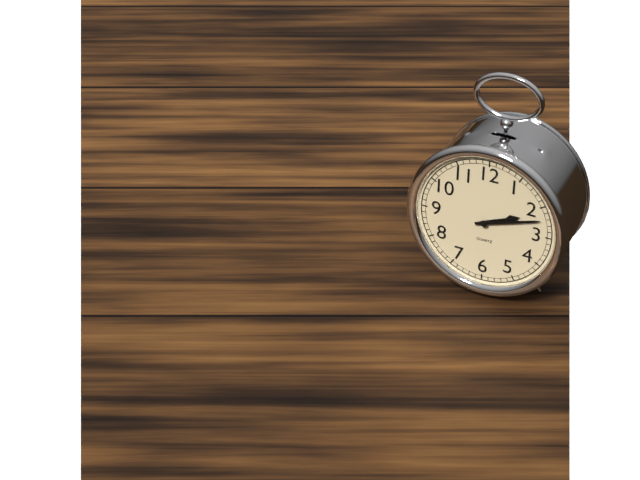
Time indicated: 2:12
